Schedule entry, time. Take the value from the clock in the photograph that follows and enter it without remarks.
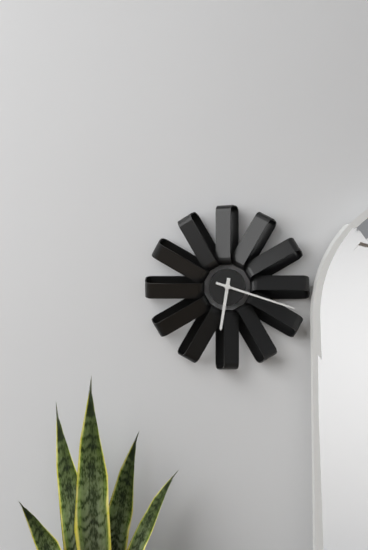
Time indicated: 6:18
